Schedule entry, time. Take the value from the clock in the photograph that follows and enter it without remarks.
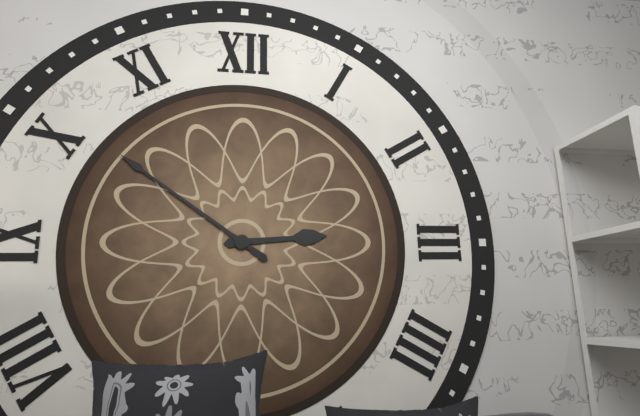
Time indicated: 2:51
